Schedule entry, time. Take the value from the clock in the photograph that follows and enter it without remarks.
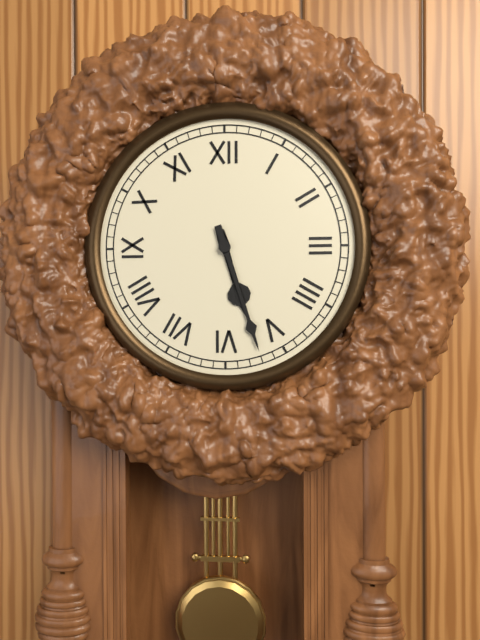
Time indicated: 5:27
